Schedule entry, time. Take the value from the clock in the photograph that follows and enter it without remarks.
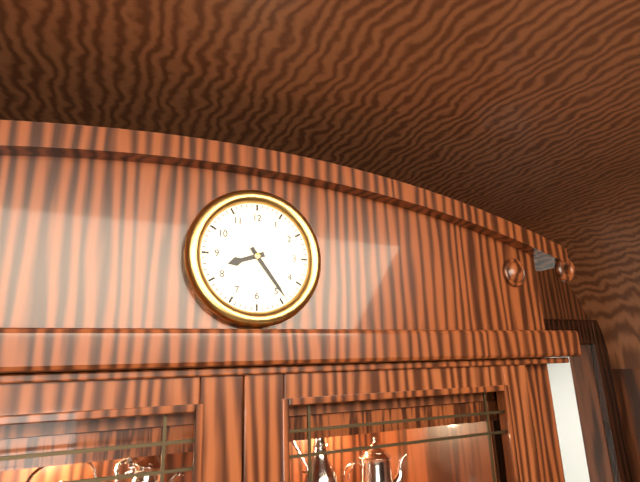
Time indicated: 8:24
